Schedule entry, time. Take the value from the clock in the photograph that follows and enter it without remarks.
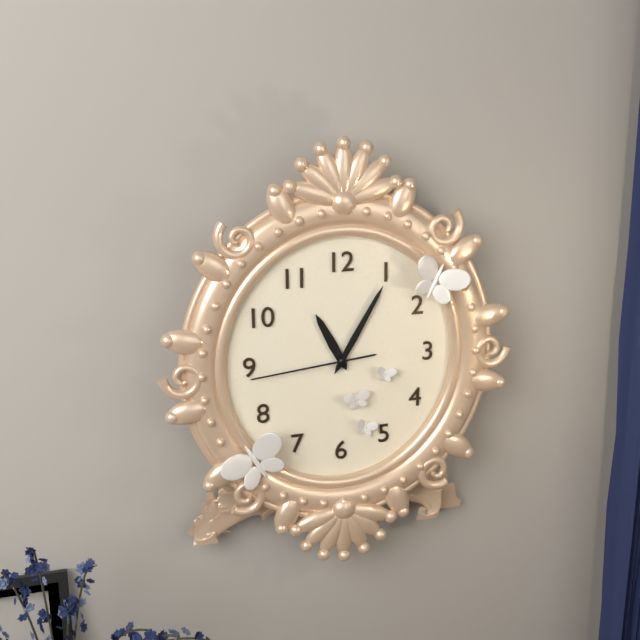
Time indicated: 11:05:44
